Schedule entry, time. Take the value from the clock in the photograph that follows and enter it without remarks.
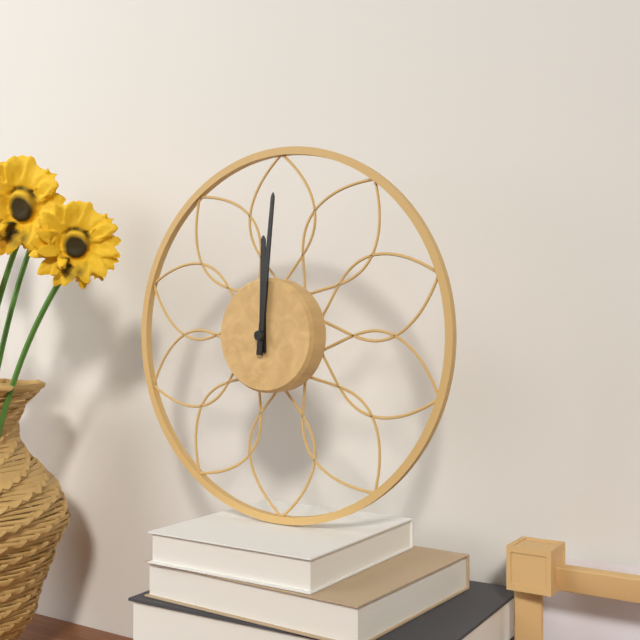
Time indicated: 12:01
